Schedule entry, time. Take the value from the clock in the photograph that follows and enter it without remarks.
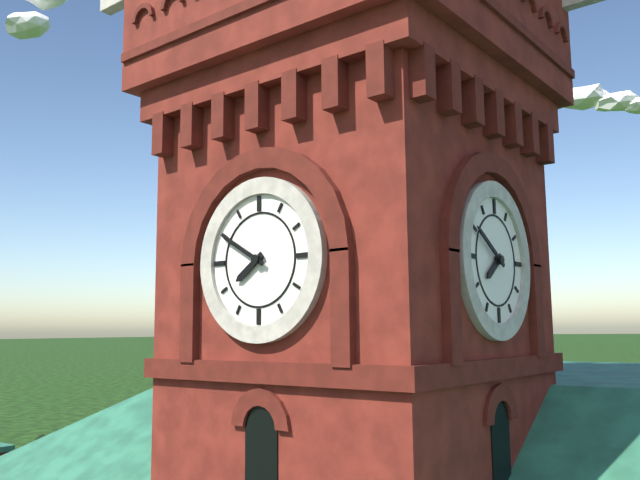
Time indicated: 7:50
